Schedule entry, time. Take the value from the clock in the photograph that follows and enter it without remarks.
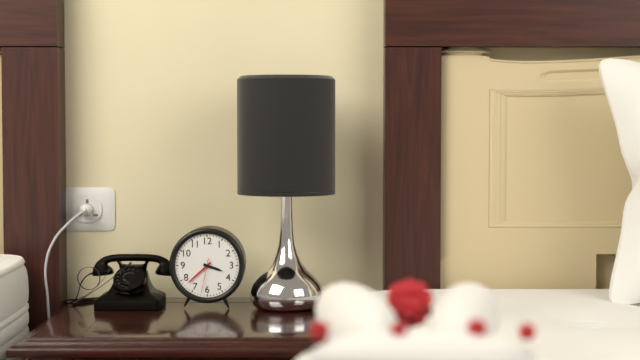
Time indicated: 3:38
